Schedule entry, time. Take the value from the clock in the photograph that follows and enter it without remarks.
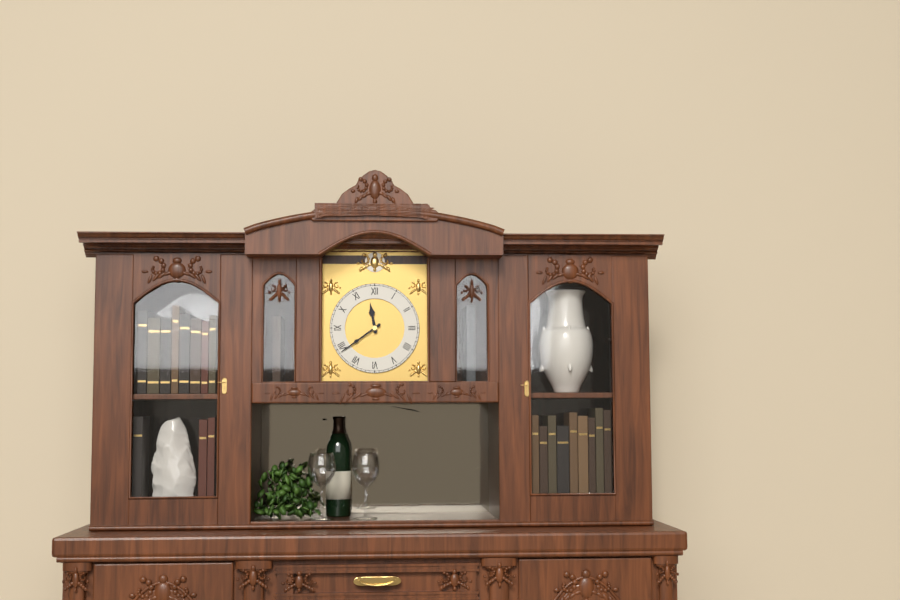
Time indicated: 11:39
